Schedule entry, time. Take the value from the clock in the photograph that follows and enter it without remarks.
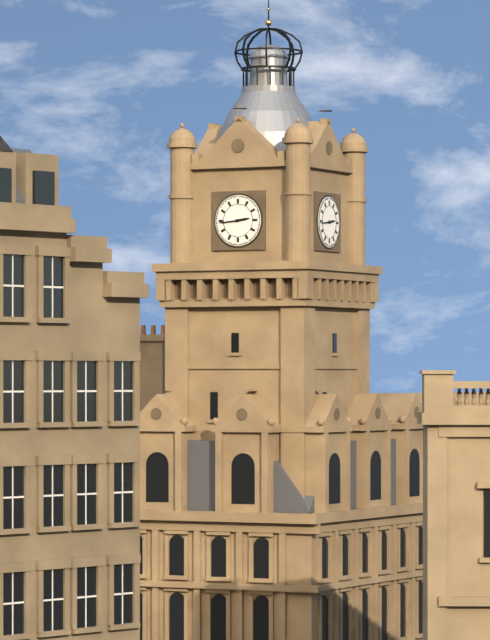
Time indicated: 2:44
